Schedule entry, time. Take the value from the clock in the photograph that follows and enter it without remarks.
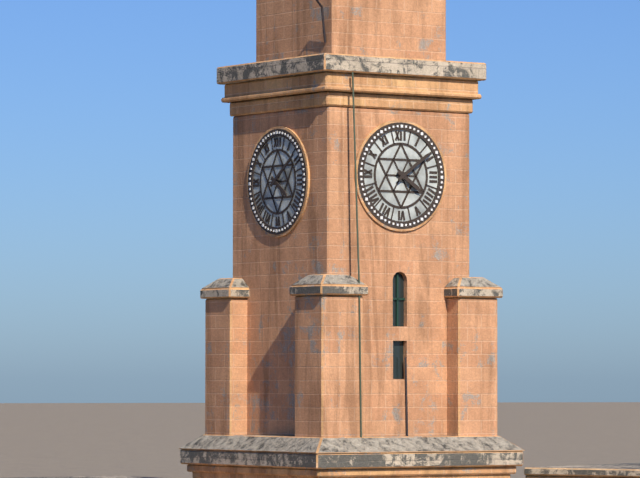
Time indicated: 4:09
